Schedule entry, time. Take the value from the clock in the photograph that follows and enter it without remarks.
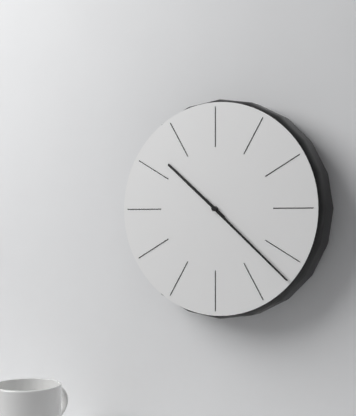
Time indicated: 10:22
